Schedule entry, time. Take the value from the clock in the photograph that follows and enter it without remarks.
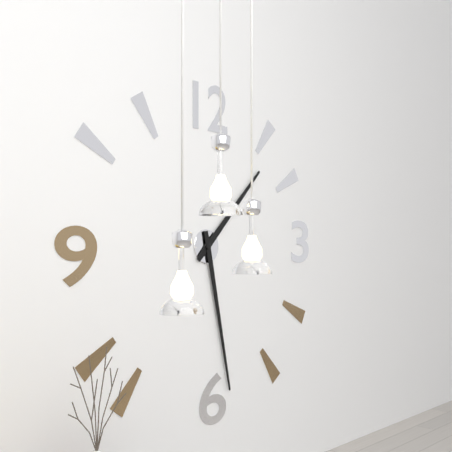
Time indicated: 1:28
